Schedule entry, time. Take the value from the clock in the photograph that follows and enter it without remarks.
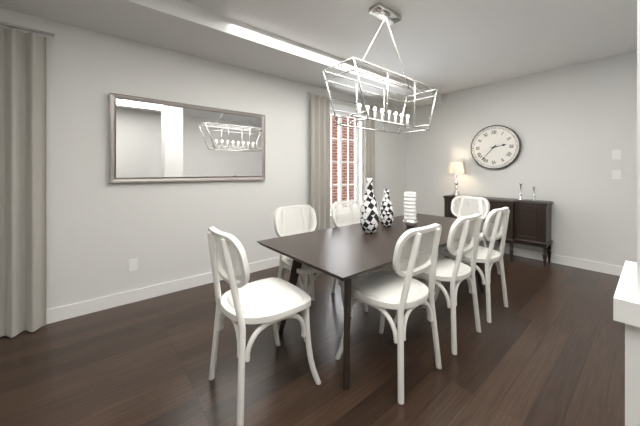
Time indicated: 2:37
